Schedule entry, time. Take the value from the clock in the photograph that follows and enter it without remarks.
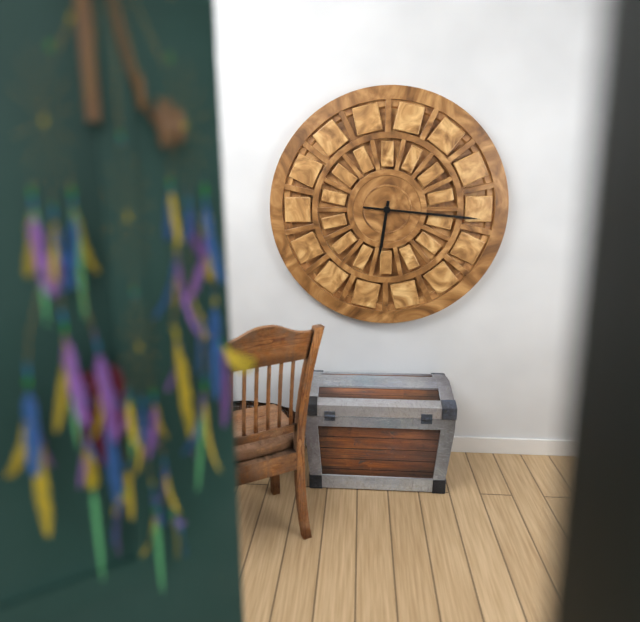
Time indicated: 6:16
